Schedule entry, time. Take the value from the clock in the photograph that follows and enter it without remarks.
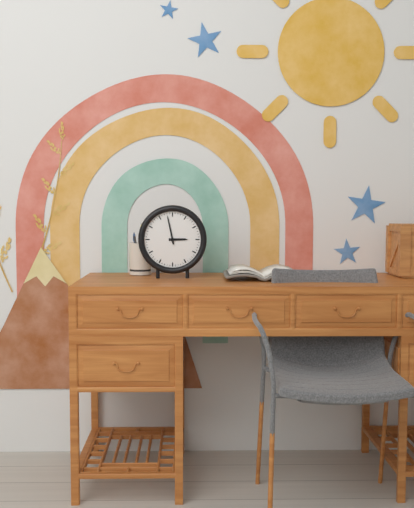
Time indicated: 2:58
